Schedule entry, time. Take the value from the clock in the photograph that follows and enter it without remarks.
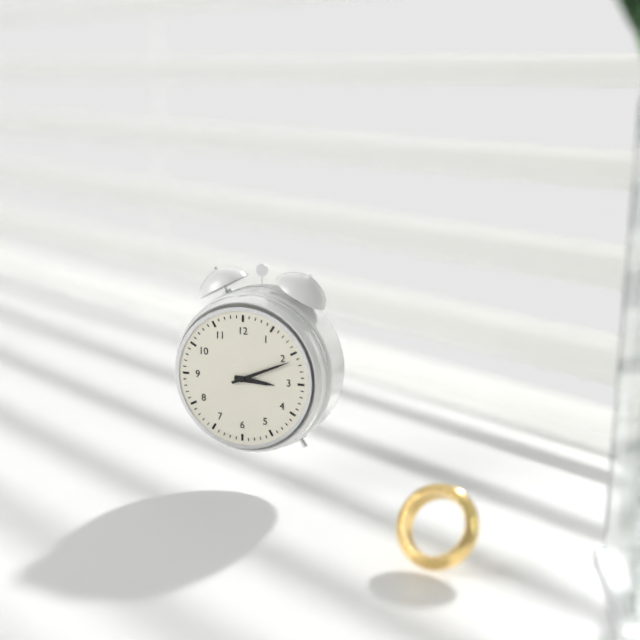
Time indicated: 3:11
